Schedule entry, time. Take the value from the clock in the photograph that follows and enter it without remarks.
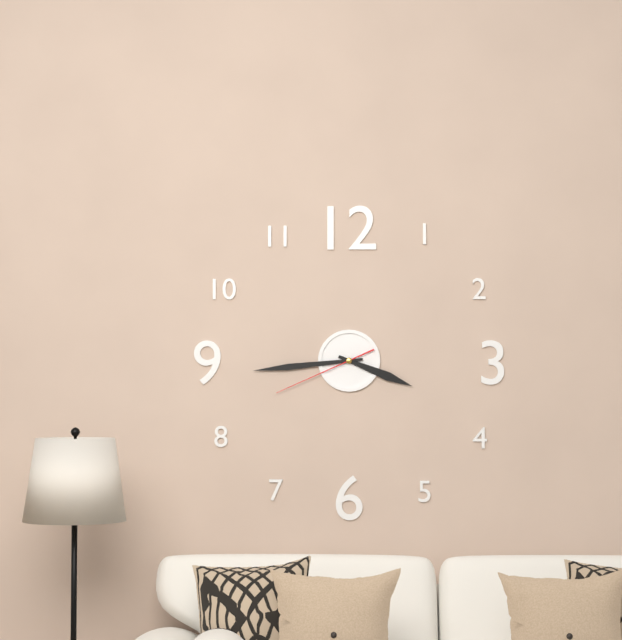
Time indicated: 3:44:41
